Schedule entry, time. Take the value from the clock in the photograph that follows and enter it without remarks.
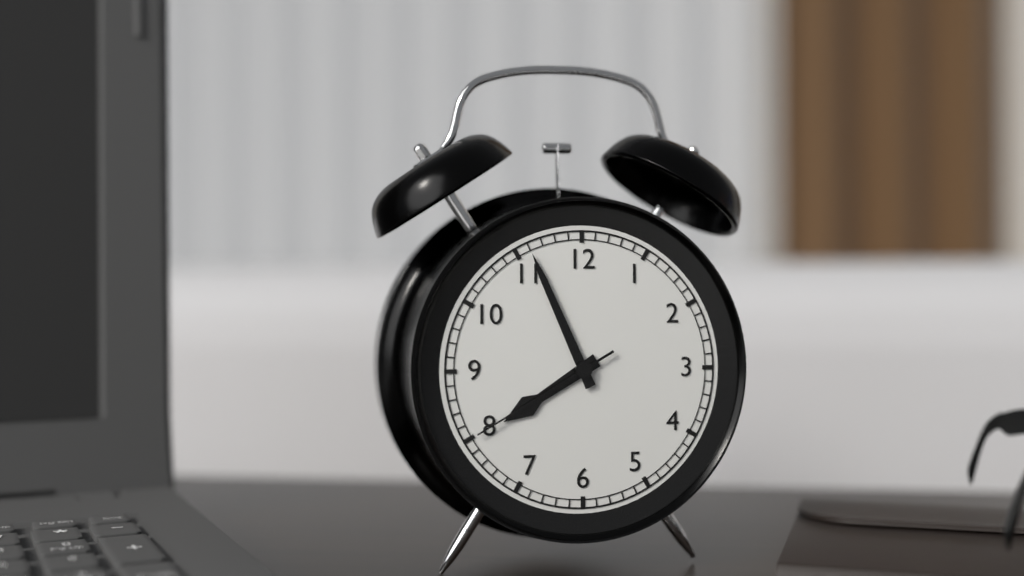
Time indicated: 7:56:40
